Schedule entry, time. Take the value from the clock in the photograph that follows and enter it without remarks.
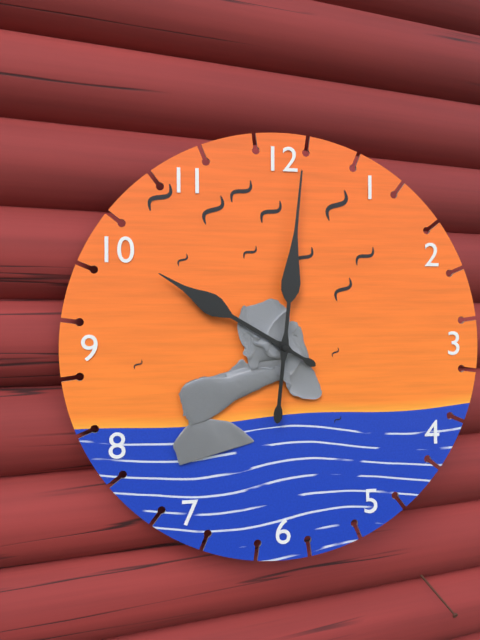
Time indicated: 10:01
